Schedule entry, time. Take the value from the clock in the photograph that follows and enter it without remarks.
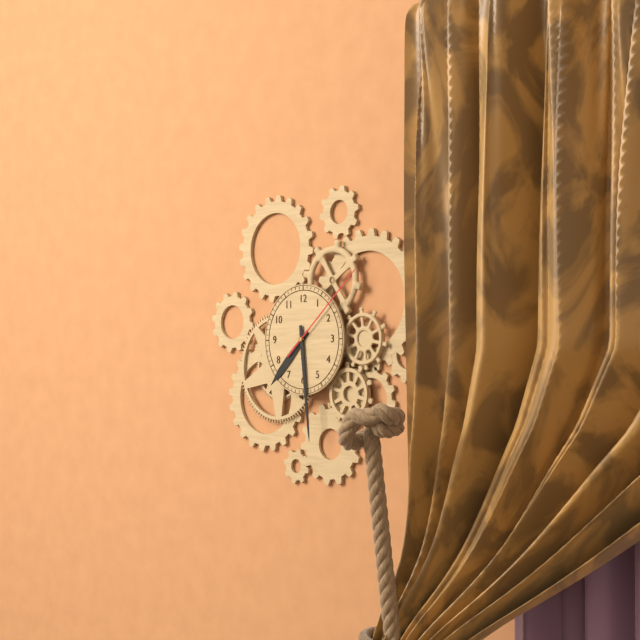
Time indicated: 7:29:08
